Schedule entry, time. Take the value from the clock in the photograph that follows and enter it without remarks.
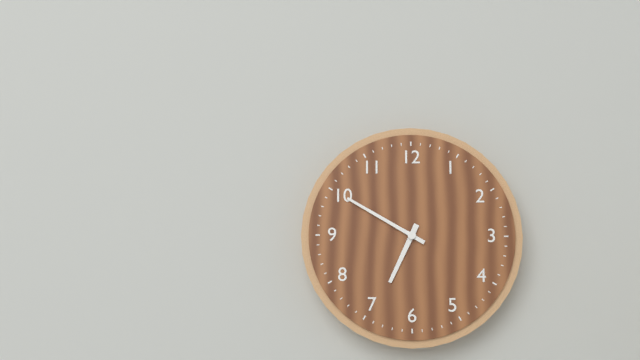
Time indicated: 6:50
